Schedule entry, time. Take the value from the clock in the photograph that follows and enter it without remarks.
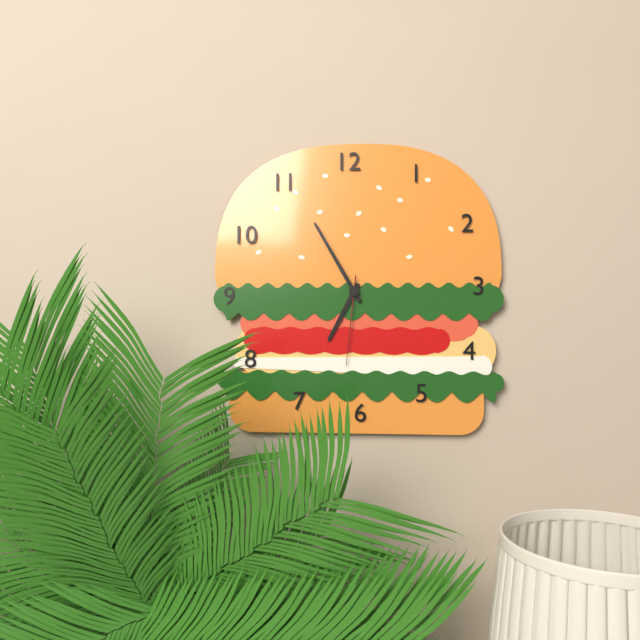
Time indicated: 6:55:31
